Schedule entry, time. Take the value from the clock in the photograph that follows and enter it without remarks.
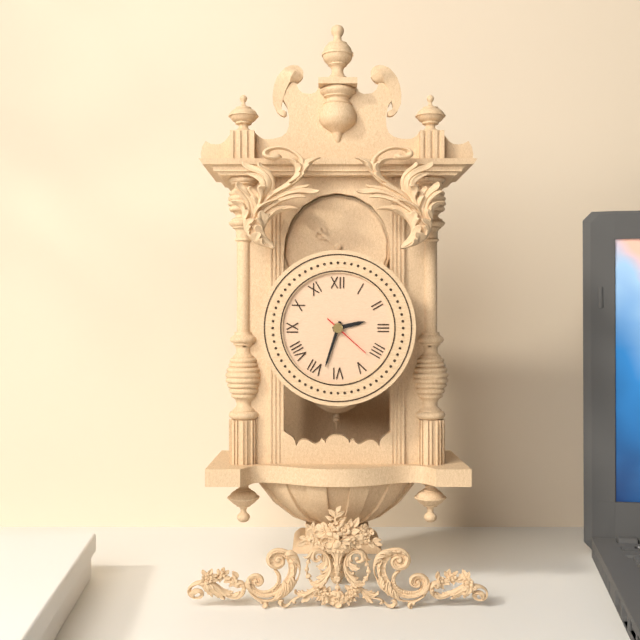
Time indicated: 2:33
